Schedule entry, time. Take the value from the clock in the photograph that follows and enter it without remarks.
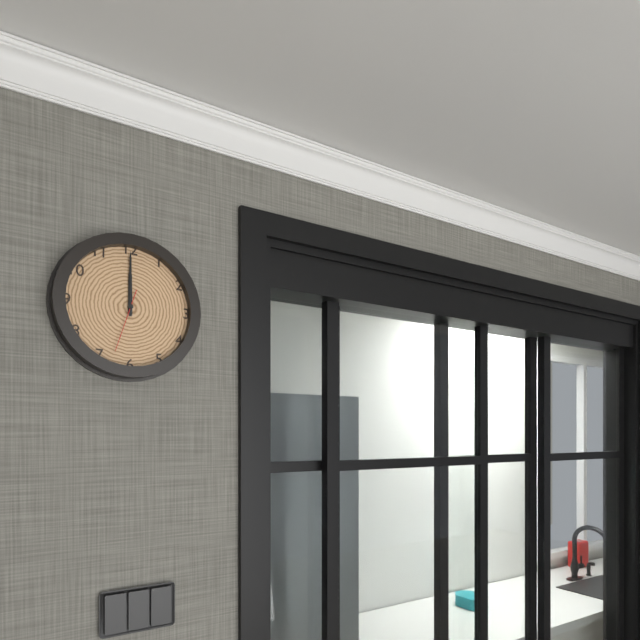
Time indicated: 12:00:33
